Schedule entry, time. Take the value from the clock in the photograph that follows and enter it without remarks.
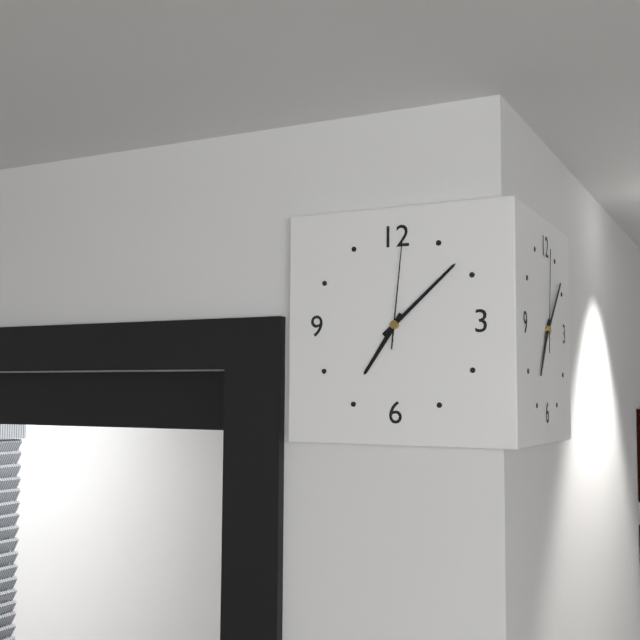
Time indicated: 7:08:01
